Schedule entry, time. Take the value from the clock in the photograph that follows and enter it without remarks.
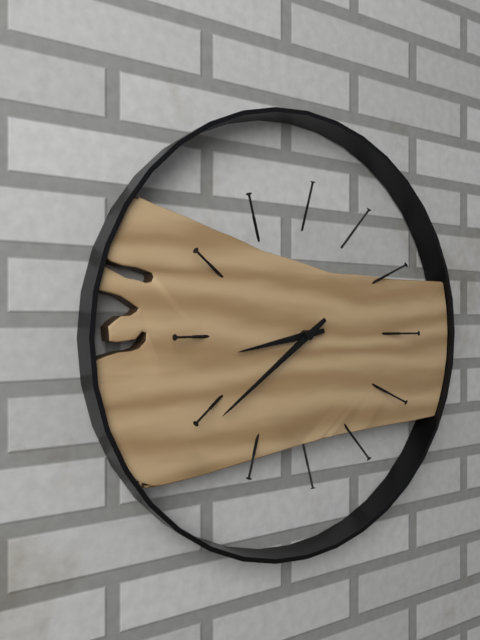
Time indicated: 8:39
